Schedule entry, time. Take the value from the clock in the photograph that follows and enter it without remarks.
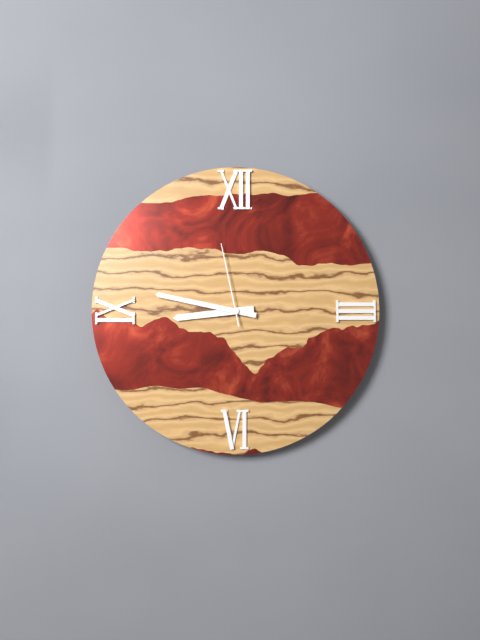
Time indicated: 8:47:58
